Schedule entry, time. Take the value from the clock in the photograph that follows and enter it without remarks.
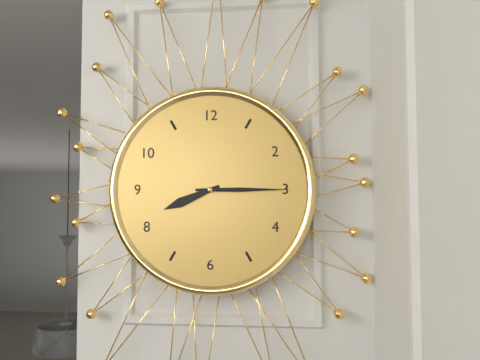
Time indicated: 8:15
